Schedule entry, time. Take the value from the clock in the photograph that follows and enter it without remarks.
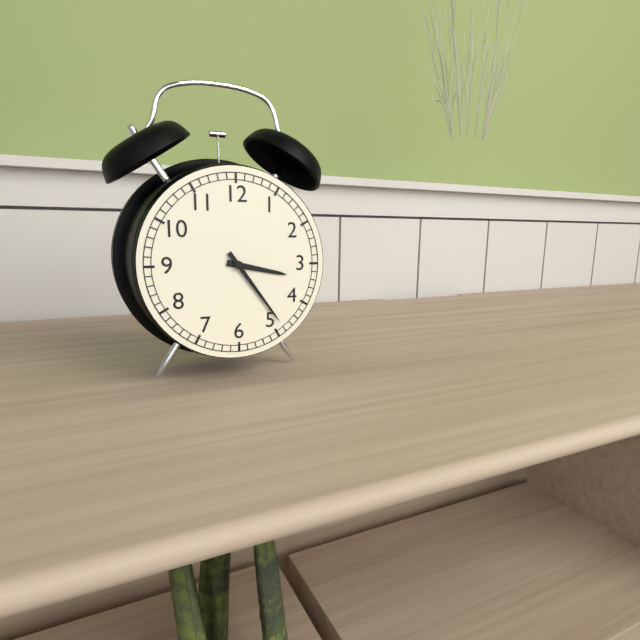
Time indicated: 3:24
